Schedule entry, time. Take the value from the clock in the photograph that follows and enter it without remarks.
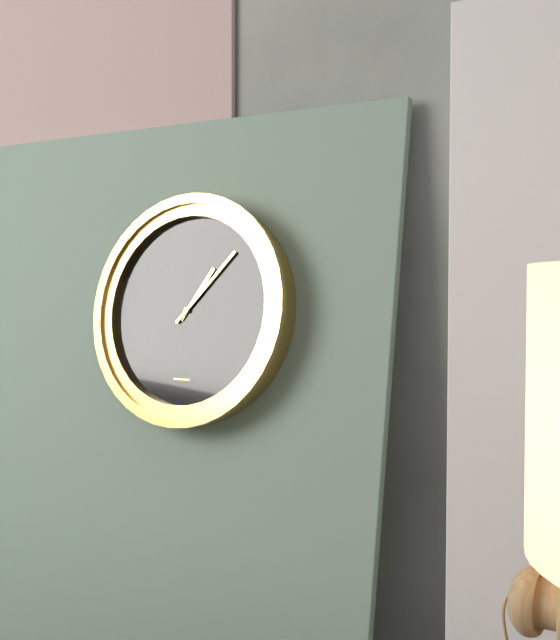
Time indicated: 1:07
